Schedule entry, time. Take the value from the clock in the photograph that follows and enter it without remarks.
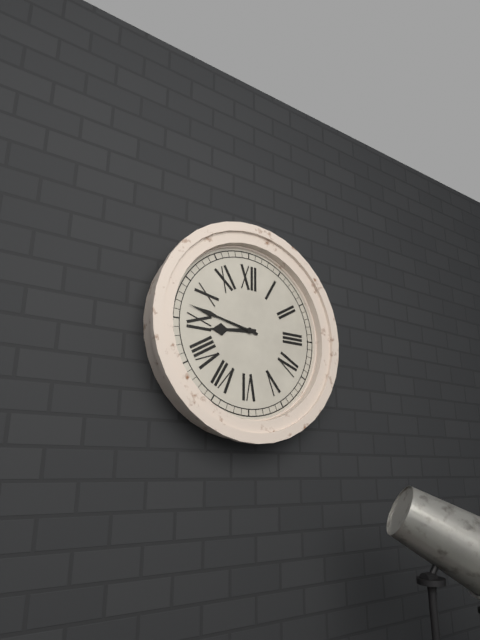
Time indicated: 8:47
